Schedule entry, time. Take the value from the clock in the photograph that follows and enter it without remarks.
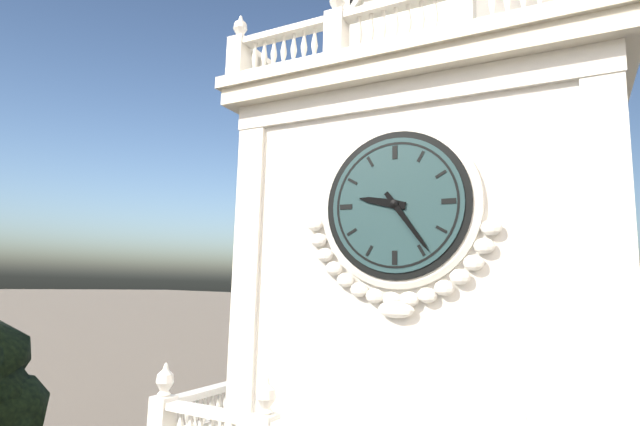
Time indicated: 9:24
